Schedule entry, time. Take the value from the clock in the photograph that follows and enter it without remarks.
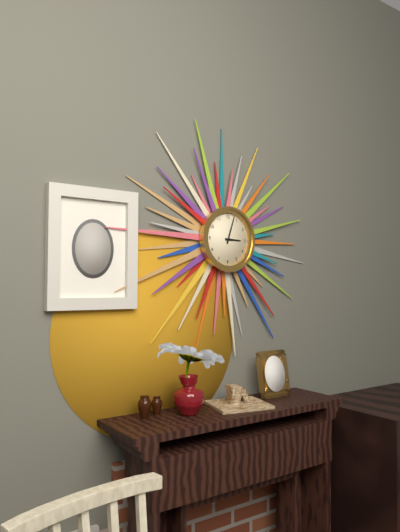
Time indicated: 3:03
